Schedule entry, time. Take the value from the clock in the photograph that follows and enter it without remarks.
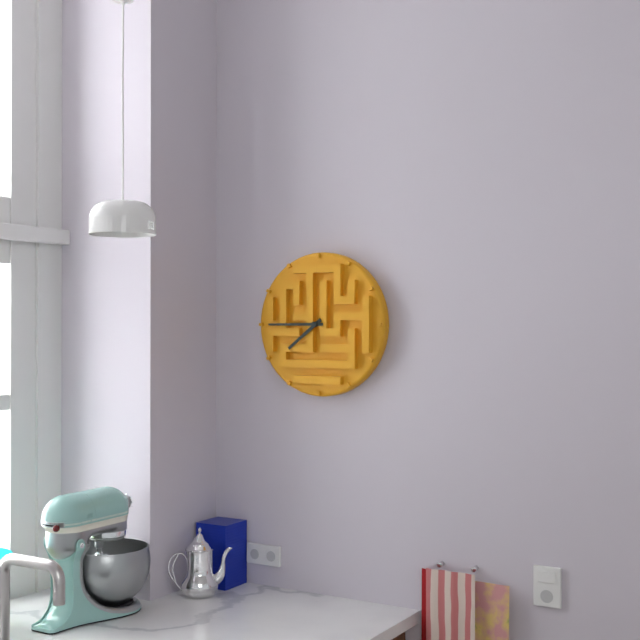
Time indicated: 7:45
